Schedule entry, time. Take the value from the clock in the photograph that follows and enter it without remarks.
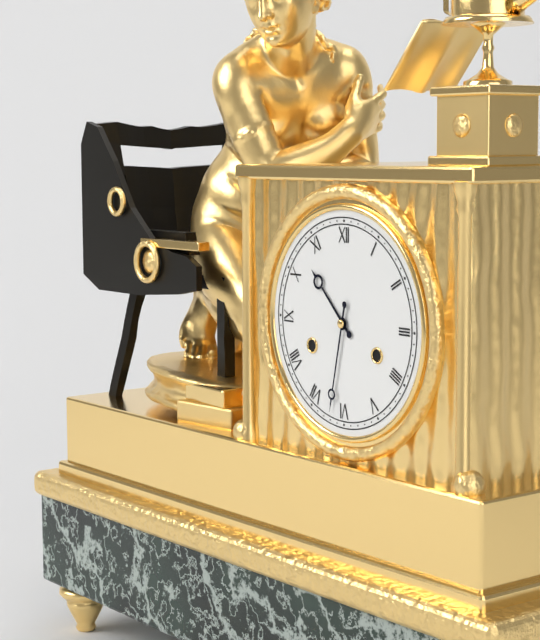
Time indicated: 10:32
